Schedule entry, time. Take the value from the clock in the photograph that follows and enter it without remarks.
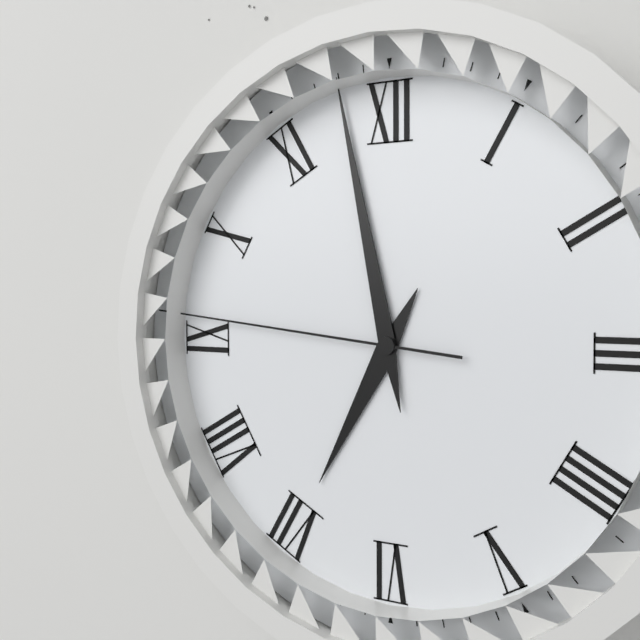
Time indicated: 6:58:46
